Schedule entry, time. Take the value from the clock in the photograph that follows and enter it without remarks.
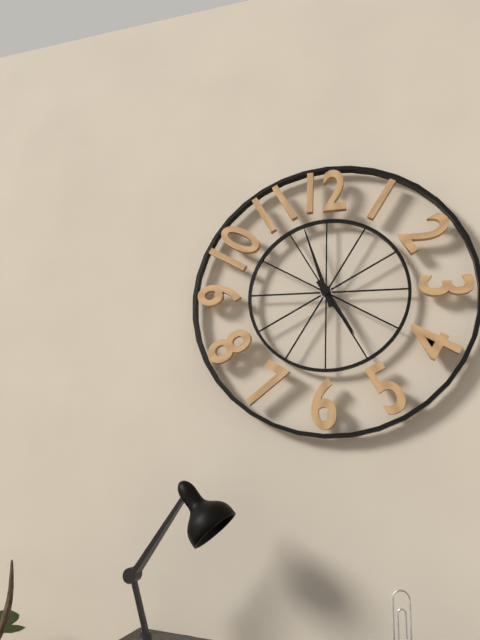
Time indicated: 4:57
